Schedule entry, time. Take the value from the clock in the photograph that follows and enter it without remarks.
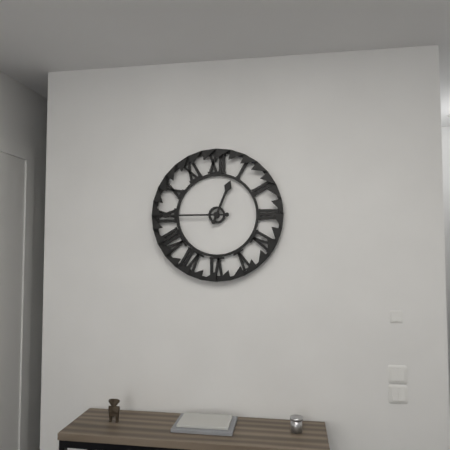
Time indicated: 12:45
